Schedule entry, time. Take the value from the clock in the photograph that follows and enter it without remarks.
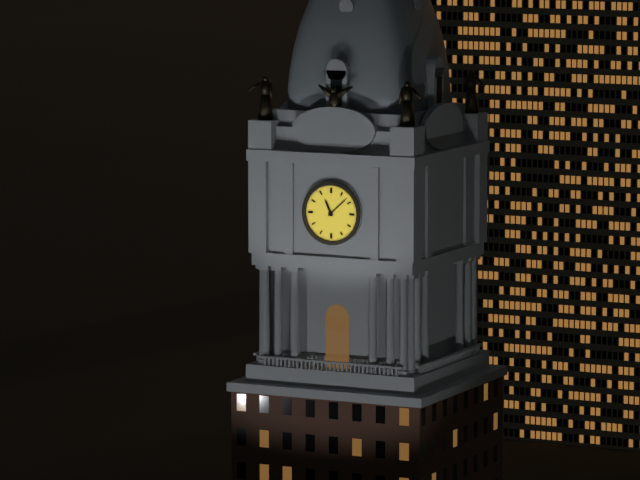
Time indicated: 11:08
